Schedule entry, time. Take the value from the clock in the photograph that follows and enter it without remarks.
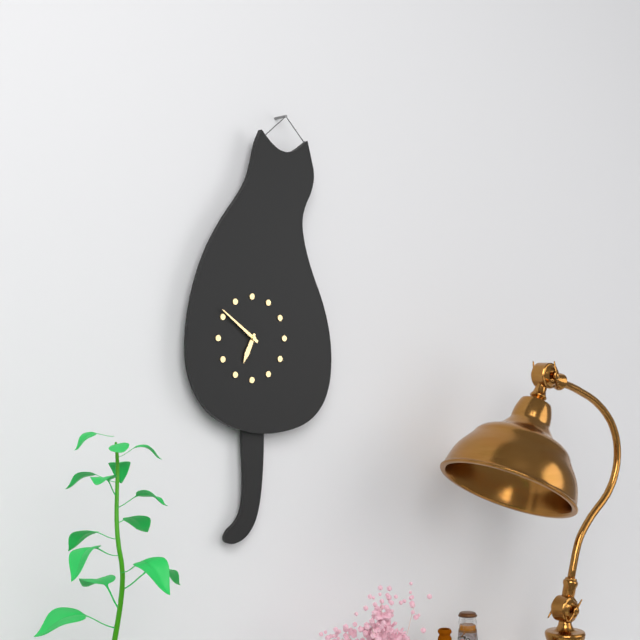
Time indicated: 6:51
